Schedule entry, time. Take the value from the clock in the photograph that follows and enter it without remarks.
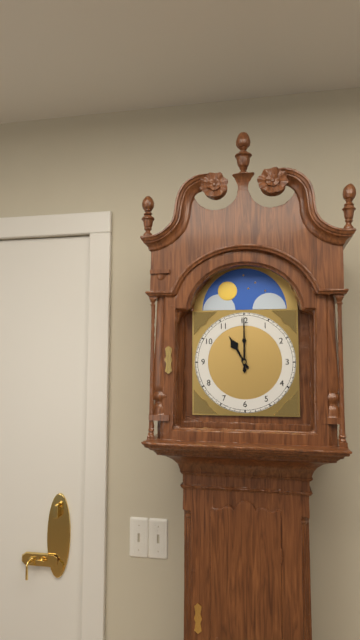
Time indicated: 11:00
